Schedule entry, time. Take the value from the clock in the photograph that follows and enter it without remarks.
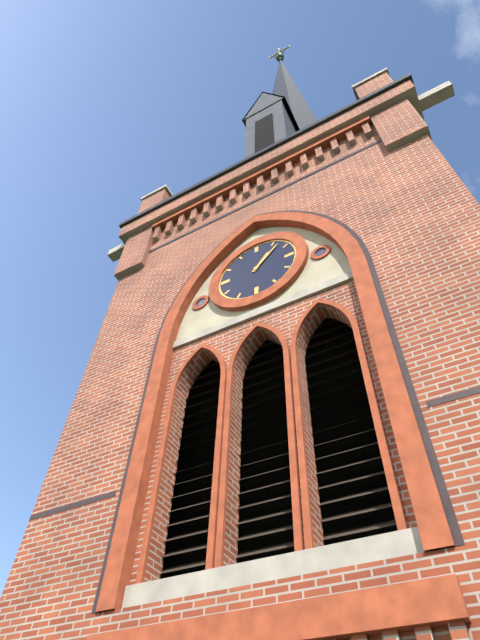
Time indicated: 1:07
